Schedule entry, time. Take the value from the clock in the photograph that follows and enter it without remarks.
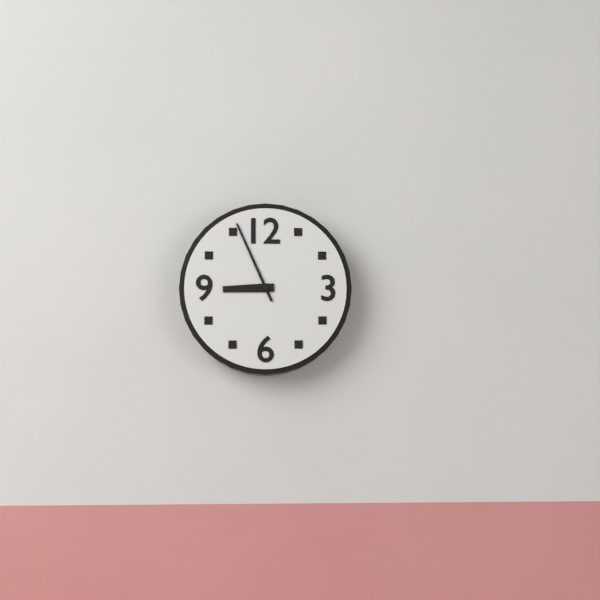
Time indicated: 8:56
